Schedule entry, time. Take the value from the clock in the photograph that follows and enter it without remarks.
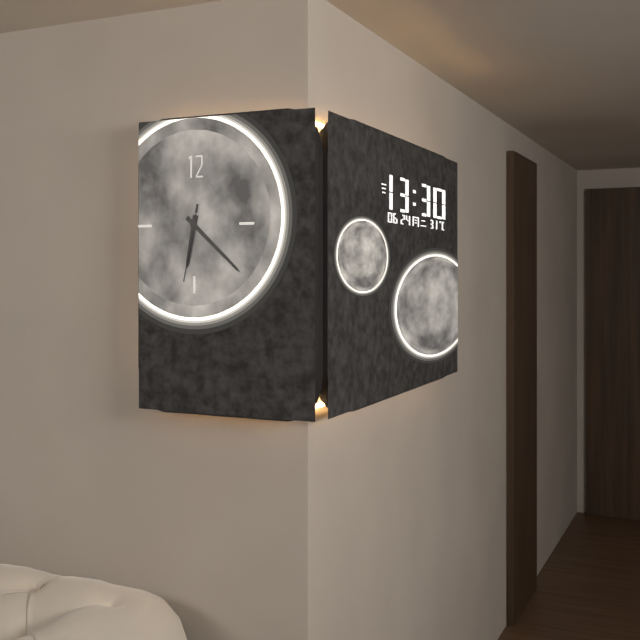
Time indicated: 6:22:32
